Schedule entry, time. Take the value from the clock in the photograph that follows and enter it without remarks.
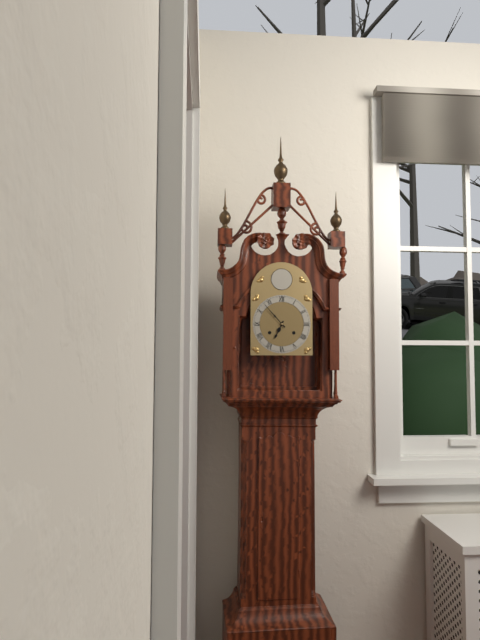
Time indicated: 6:53
